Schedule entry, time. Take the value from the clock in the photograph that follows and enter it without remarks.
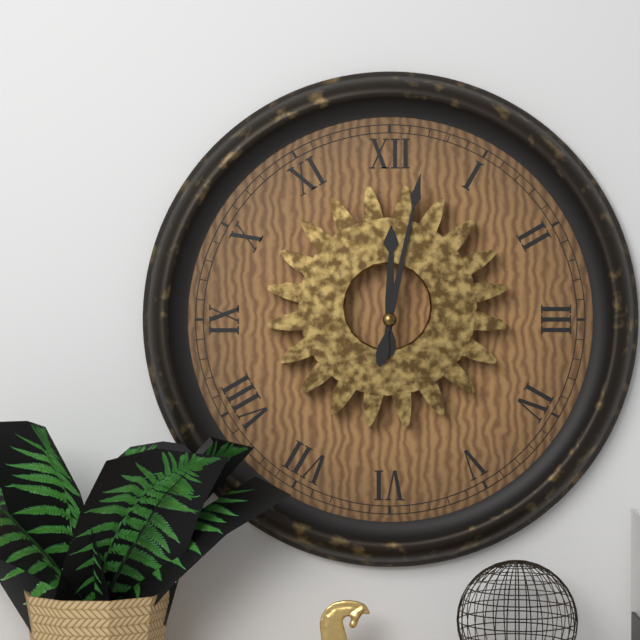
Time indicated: 12:02
